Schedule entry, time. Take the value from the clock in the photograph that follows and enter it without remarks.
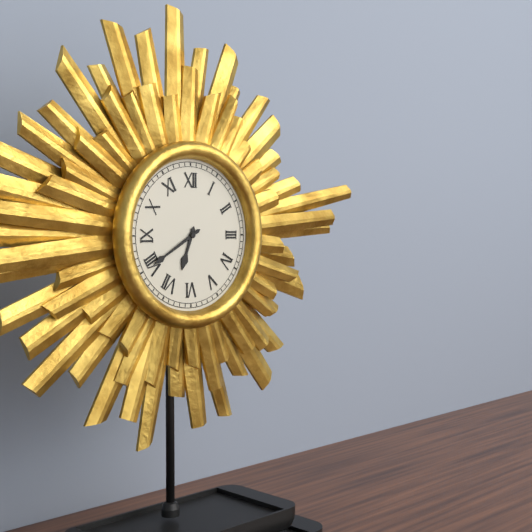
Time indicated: 6:40
